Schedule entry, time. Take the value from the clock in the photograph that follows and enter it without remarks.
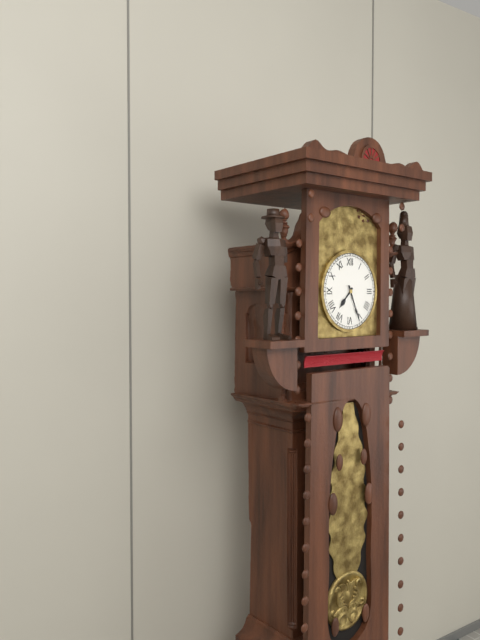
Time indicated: 7:26
